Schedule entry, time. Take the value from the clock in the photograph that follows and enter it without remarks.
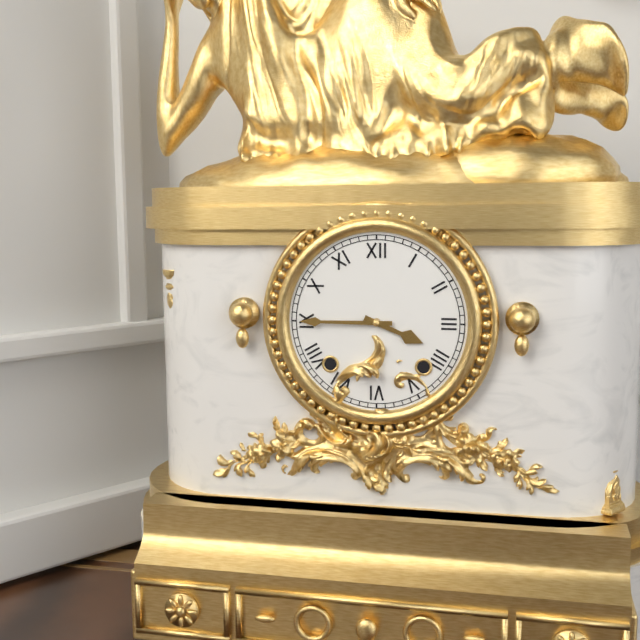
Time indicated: 3:45
